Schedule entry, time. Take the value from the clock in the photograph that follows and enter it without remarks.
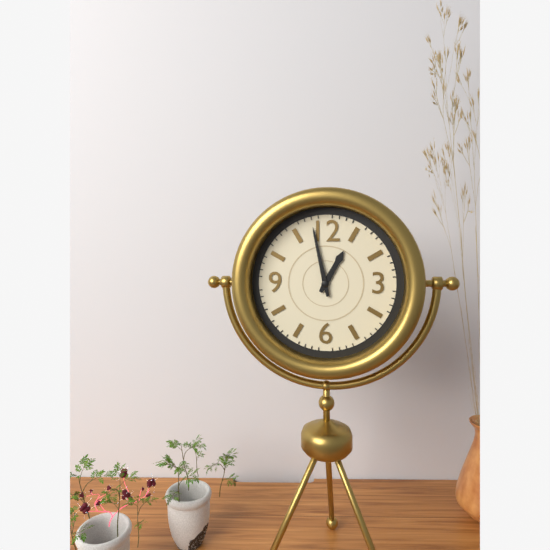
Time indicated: 12:58
